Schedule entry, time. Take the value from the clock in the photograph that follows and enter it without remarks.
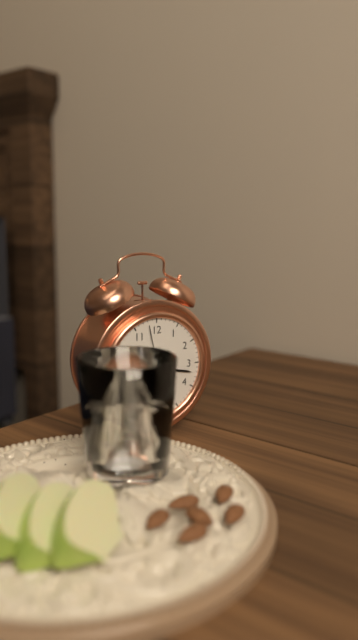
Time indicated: 4:17:58
